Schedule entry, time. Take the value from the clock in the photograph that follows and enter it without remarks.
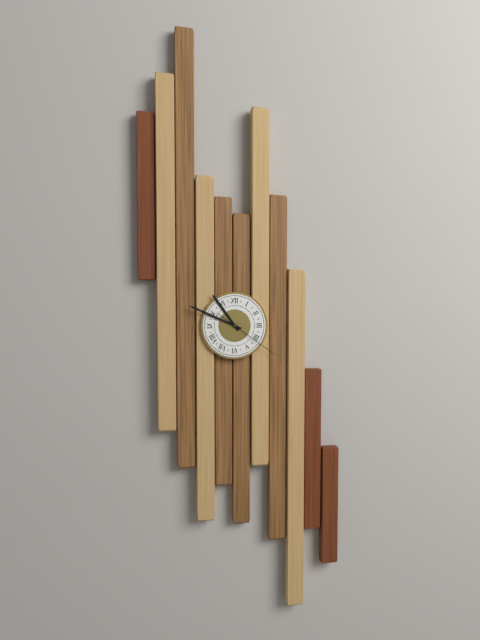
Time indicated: 10:49:21
